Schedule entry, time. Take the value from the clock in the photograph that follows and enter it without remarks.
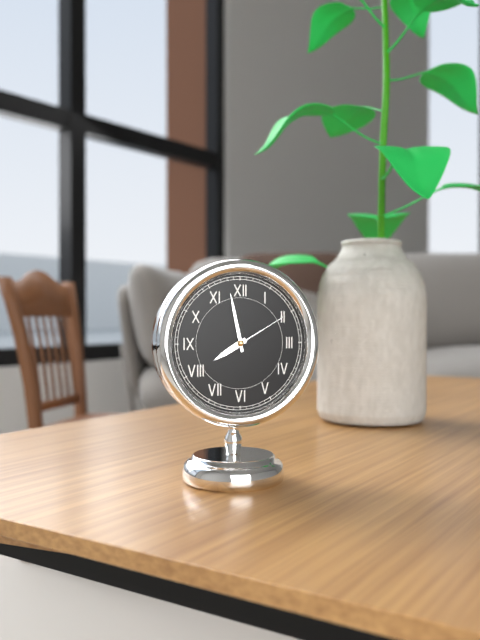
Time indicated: 7:58:10
